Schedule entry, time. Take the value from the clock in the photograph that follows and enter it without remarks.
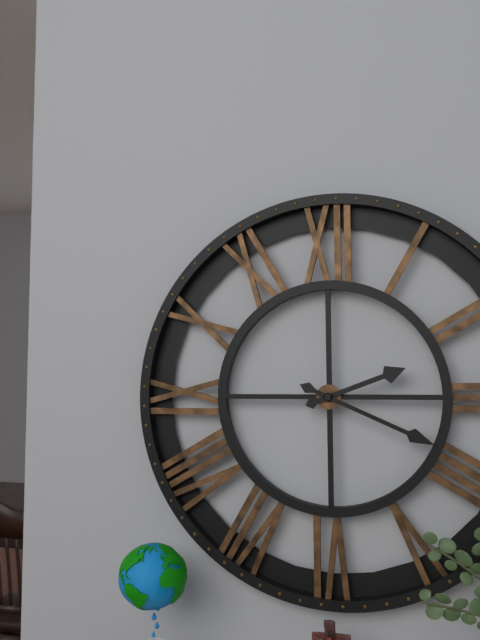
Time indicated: 2:19
